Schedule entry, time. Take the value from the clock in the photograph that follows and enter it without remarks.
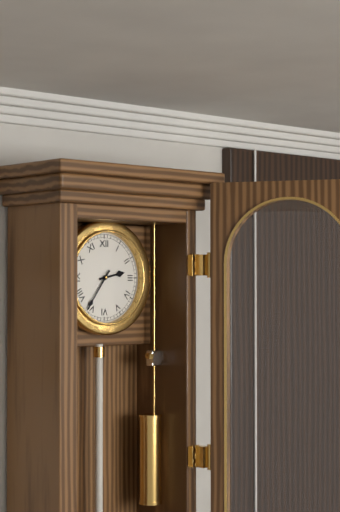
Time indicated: 2:36
